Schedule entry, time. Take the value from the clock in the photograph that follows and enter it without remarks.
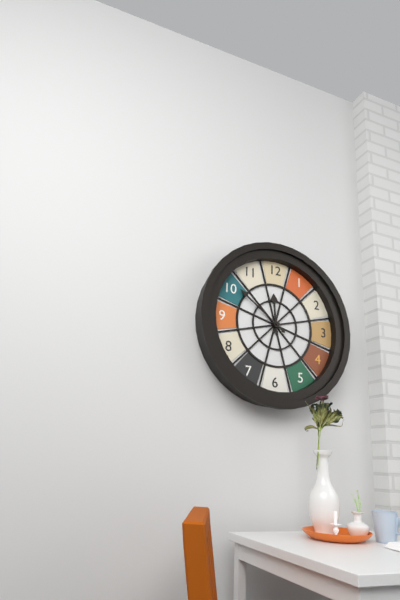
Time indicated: 11:51
